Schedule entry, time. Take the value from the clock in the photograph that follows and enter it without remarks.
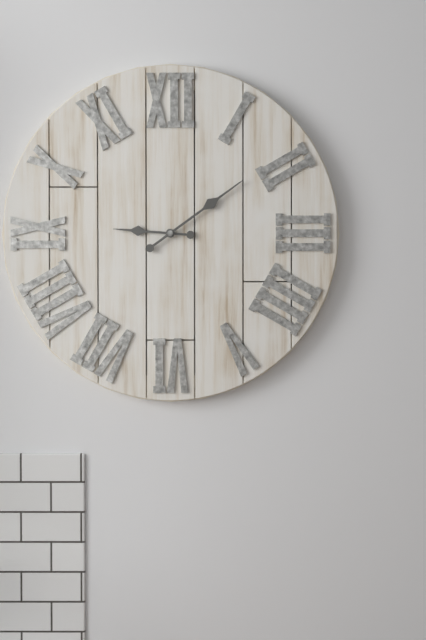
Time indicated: 9:09
